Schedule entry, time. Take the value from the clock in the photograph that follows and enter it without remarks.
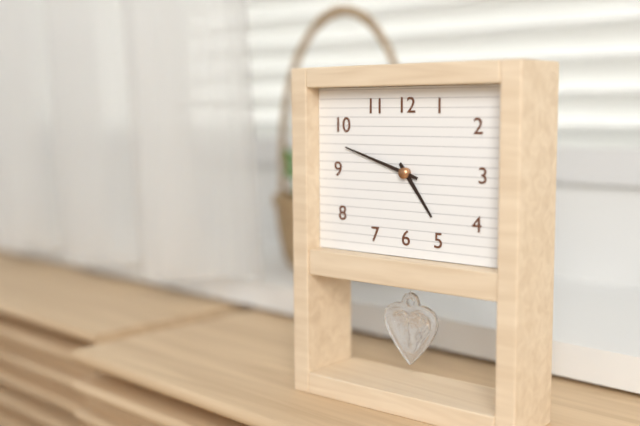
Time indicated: 4:48
